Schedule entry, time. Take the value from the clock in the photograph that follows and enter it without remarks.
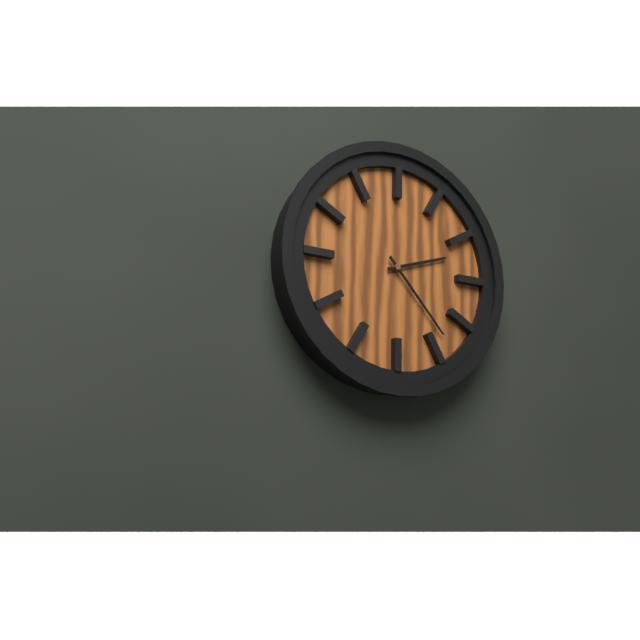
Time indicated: 2:23
